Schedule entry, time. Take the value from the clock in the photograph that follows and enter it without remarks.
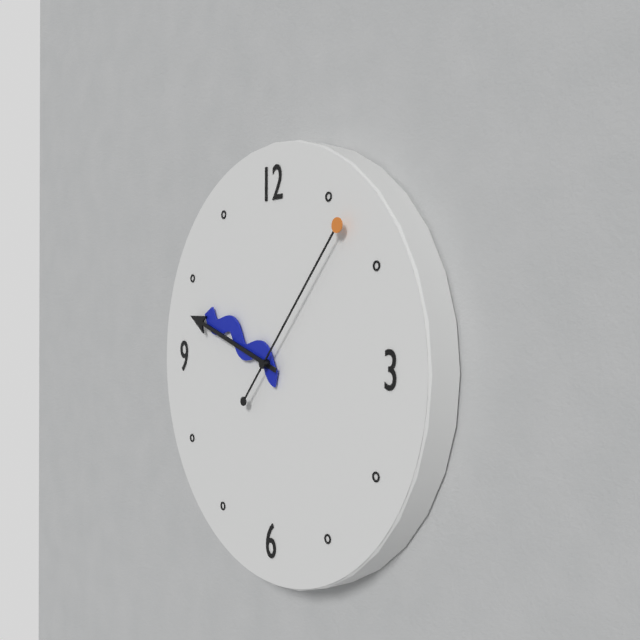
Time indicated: 9:48:07
